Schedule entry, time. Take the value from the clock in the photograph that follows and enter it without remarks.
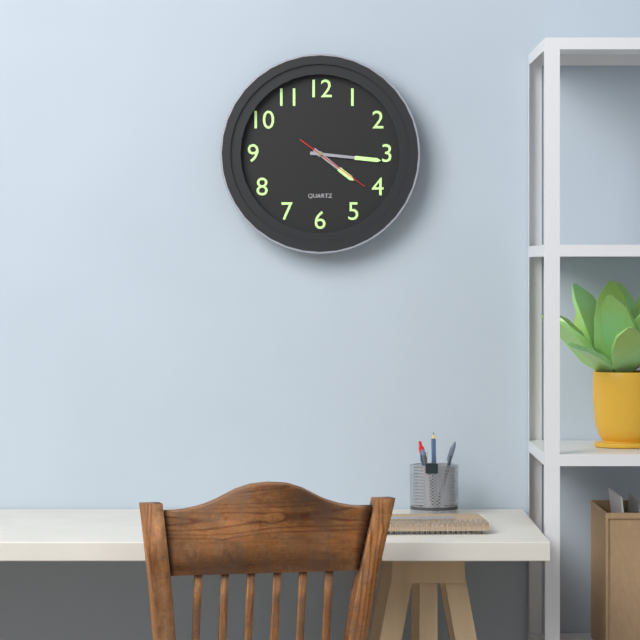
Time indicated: 4:16:21
